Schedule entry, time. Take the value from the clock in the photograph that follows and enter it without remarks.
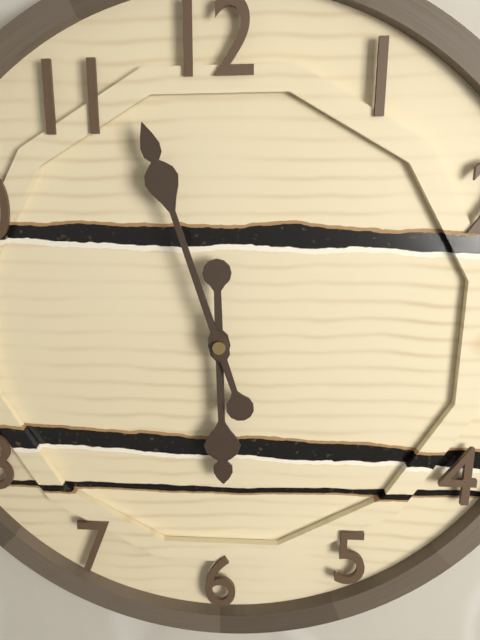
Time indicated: 5:57
